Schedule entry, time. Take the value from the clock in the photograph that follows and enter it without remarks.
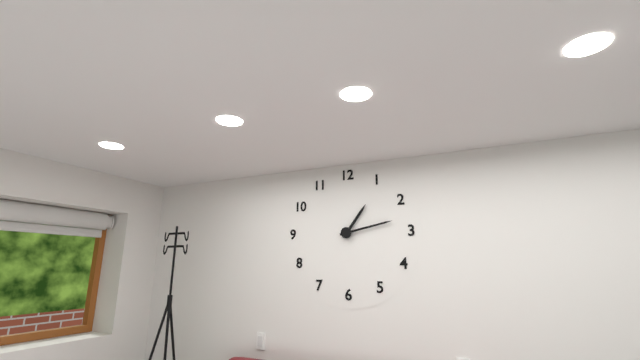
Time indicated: 1:13
